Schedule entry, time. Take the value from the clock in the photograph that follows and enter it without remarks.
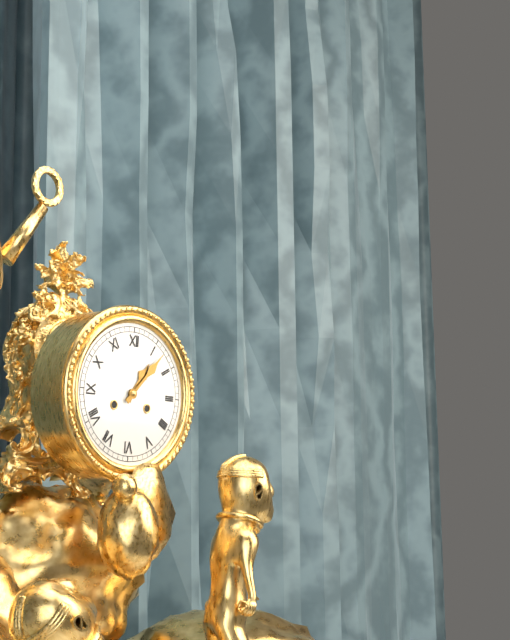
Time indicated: 1:07
